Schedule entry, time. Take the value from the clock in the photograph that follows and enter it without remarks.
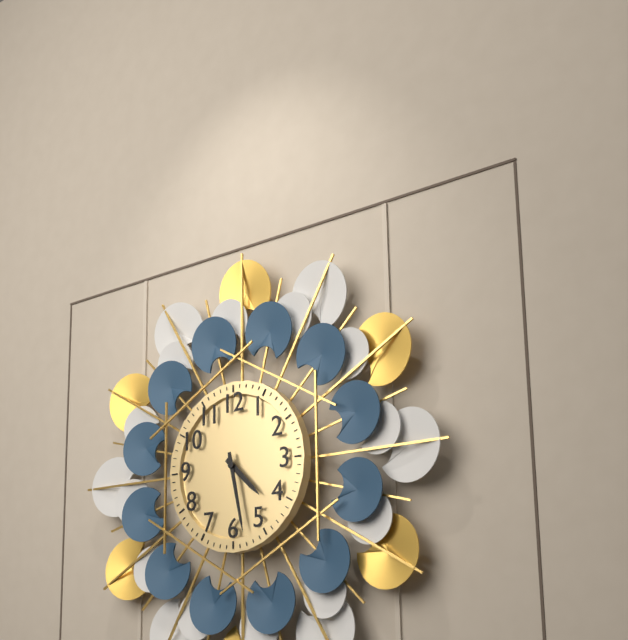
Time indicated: 4:28
